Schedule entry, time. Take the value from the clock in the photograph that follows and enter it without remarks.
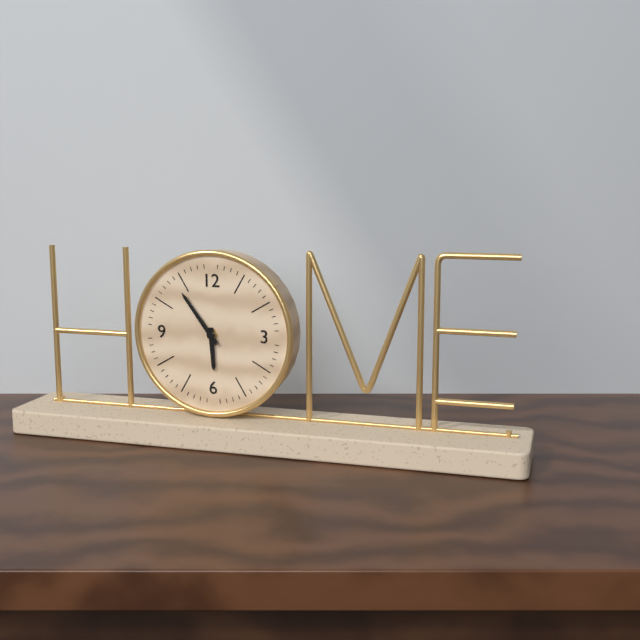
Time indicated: 5:54
